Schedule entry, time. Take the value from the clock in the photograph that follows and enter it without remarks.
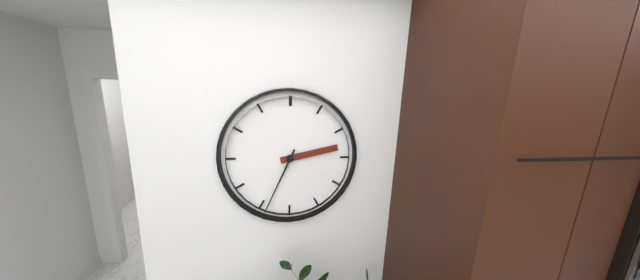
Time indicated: 2:34
